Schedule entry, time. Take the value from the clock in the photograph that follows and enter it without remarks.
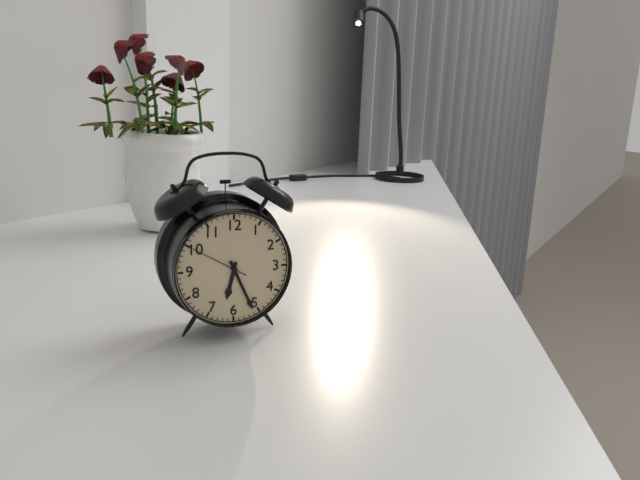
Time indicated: 6:26:50
